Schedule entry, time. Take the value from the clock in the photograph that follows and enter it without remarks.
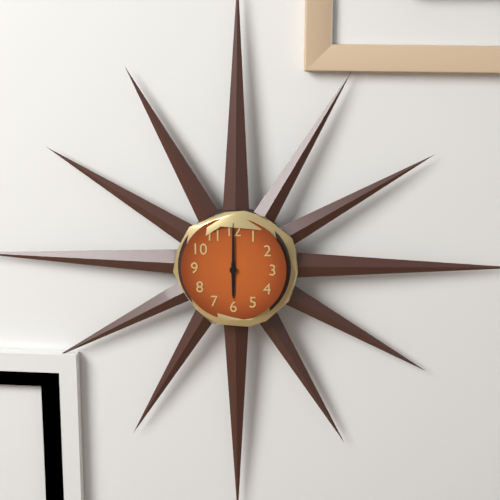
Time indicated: 6:00
